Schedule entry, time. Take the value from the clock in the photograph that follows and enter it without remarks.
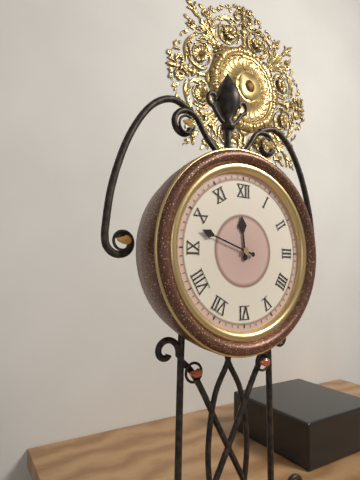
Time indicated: 11:48
